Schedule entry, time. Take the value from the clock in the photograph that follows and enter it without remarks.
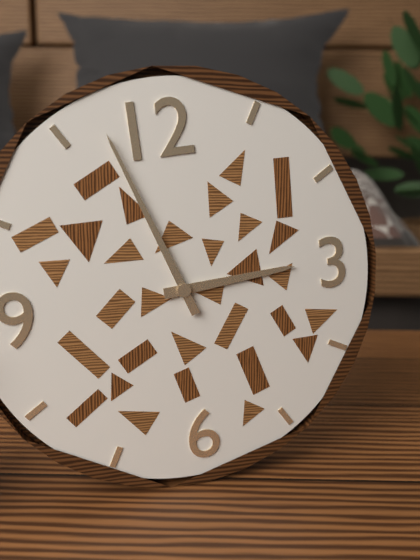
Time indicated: 2:57
